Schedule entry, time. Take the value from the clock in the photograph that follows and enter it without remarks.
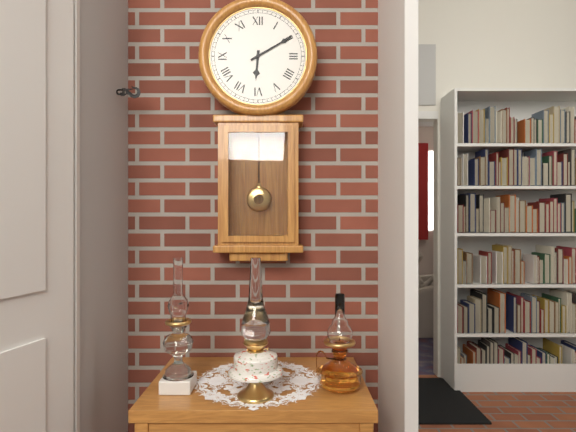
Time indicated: 6:10
